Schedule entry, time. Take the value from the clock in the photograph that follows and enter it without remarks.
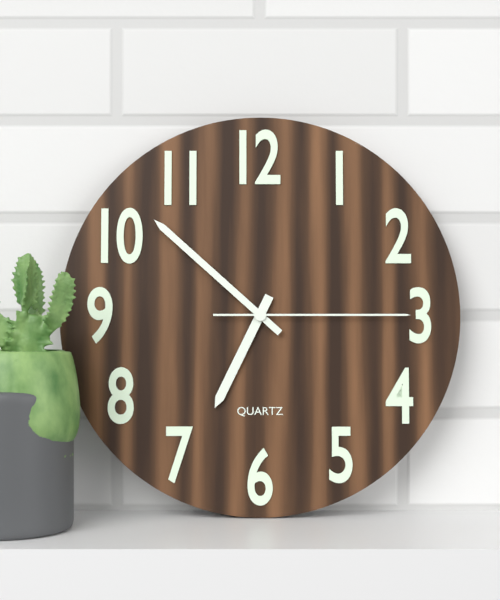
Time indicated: 6:52:15
